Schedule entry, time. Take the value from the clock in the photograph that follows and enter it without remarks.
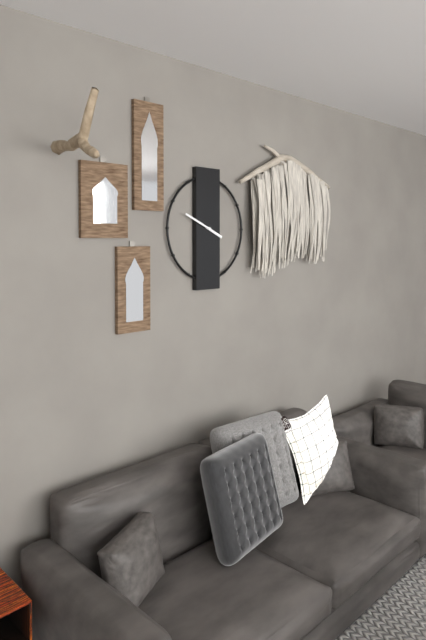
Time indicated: 3:49
